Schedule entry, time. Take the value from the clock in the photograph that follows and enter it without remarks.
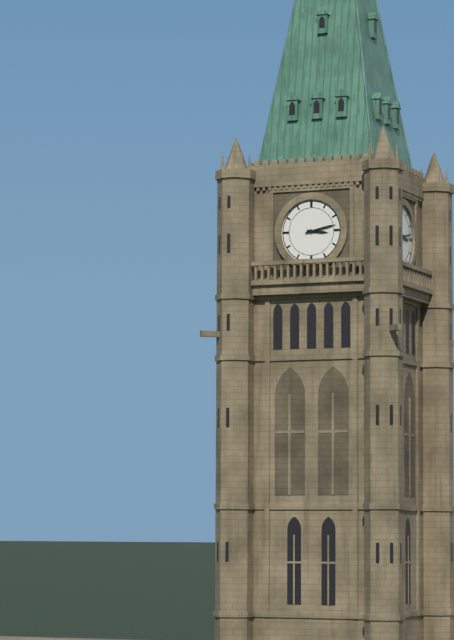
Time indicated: 3:13
